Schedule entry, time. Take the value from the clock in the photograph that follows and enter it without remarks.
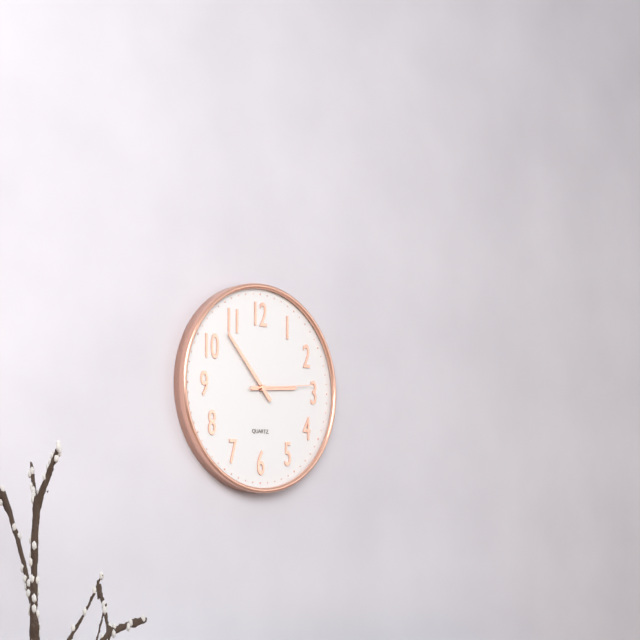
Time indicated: 2:53:14
